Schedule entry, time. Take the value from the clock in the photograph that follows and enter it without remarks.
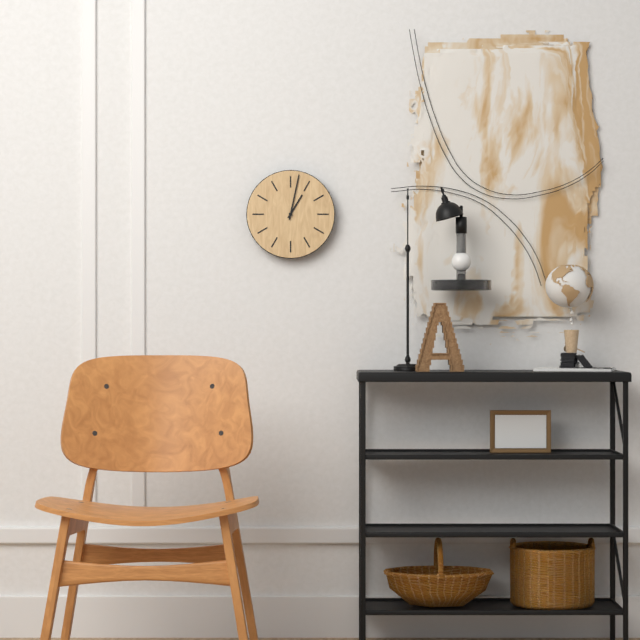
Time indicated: 1:02
